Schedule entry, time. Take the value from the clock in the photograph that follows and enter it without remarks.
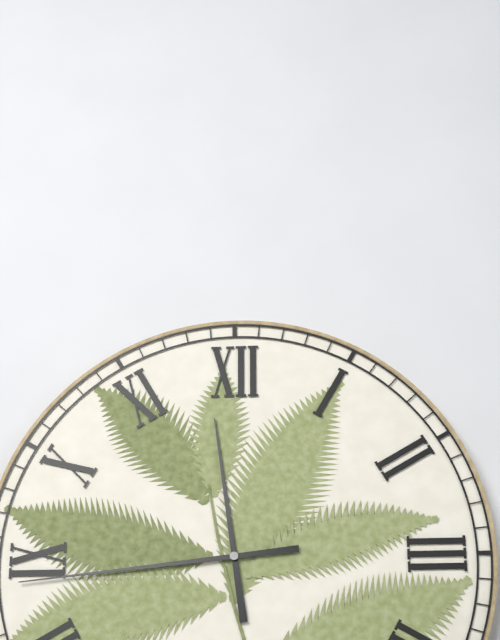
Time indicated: 11:44
